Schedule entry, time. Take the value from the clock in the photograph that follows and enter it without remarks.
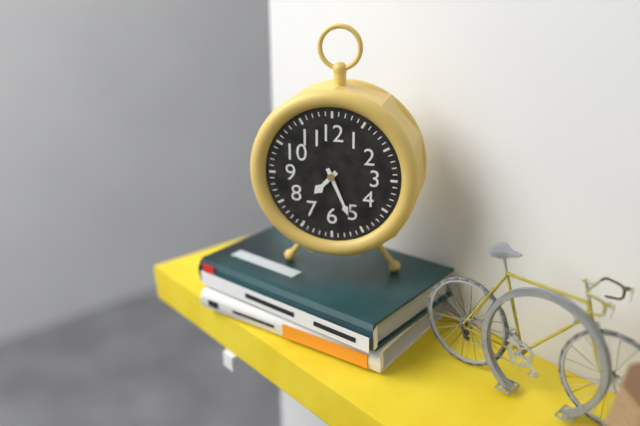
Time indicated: 7:26
